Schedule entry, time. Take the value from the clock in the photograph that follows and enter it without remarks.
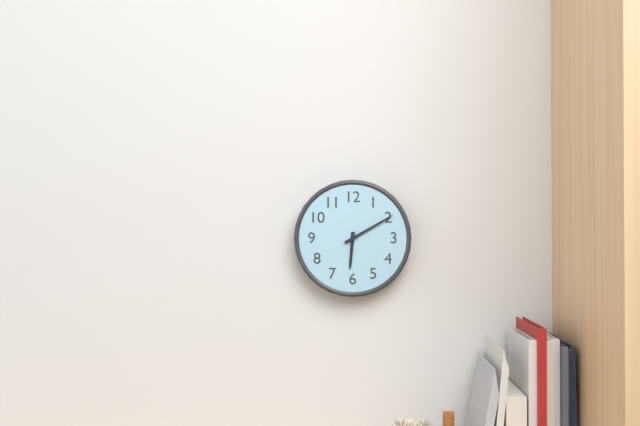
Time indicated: 6:10
